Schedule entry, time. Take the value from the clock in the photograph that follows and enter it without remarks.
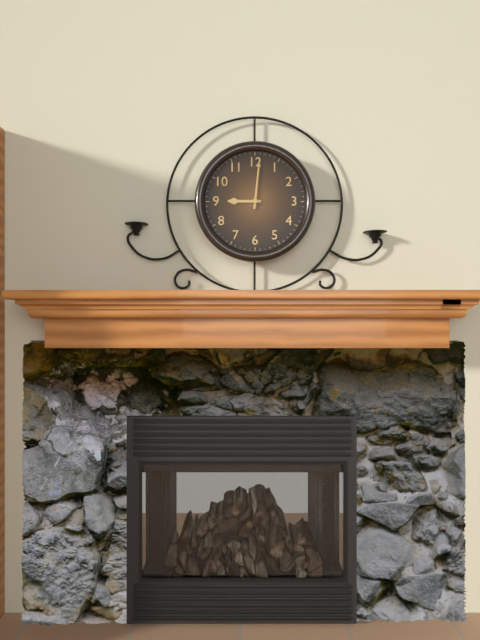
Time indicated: 9:01
